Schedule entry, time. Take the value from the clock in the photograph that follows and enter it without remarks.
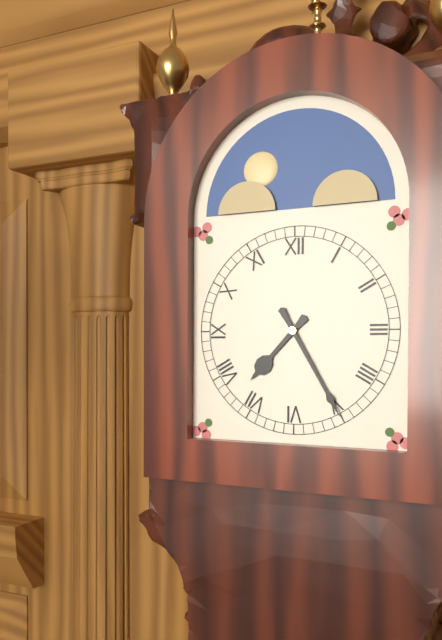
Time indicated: 7:25
